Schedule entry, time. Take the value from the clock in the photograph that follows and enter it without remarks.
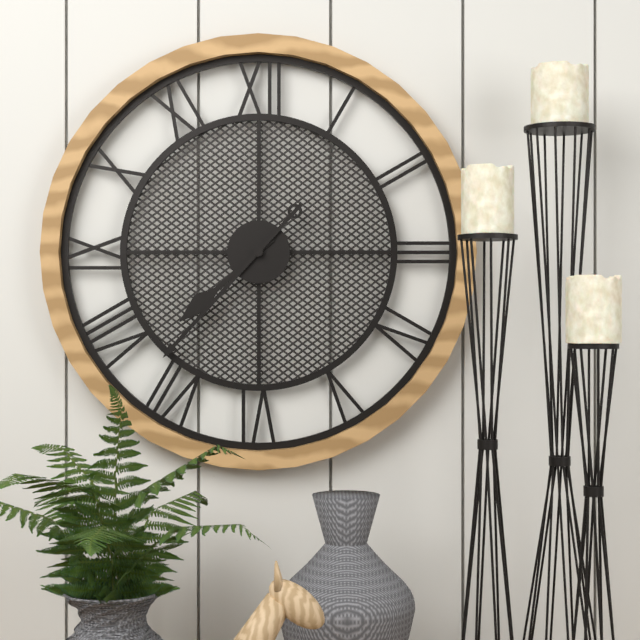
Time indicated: 7:37
